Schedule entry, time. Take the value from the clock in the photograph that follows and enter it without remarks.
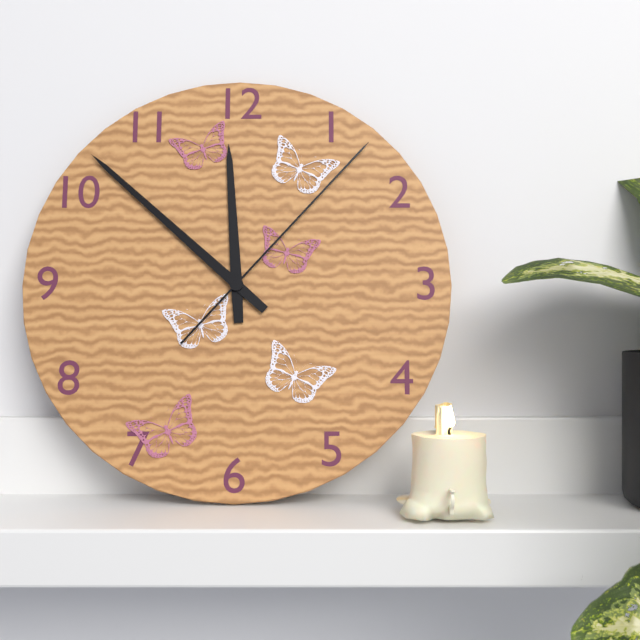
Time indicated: 11:52:07
